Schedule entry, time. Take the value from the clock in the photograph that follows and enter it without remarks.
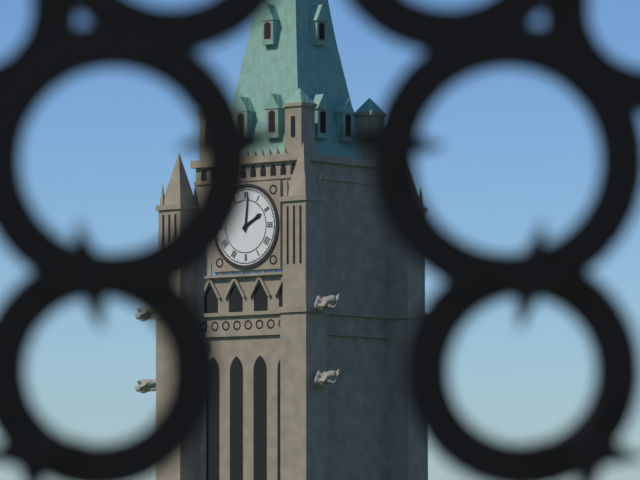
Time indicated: 2:01
